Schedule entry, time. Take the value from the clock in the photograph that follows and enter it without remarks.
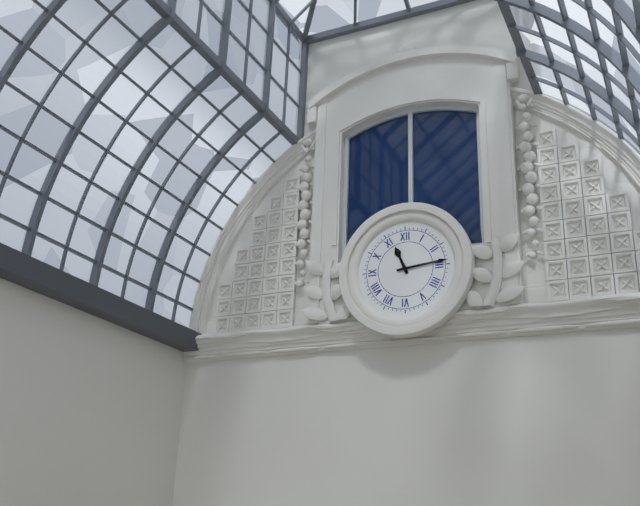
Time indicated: 11:14
